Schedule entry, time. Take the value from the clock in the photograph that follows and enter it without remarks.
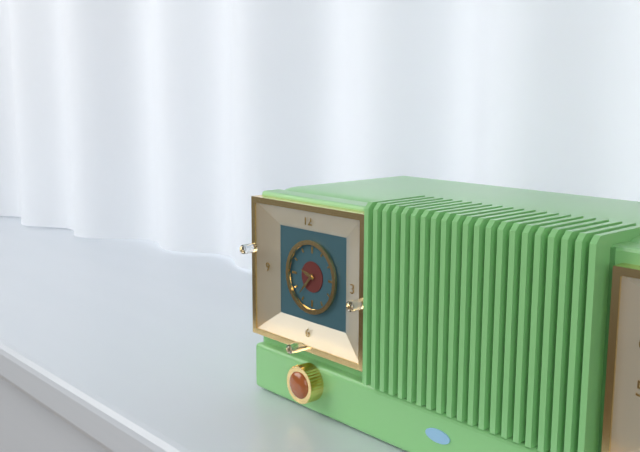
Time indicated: 9:37
